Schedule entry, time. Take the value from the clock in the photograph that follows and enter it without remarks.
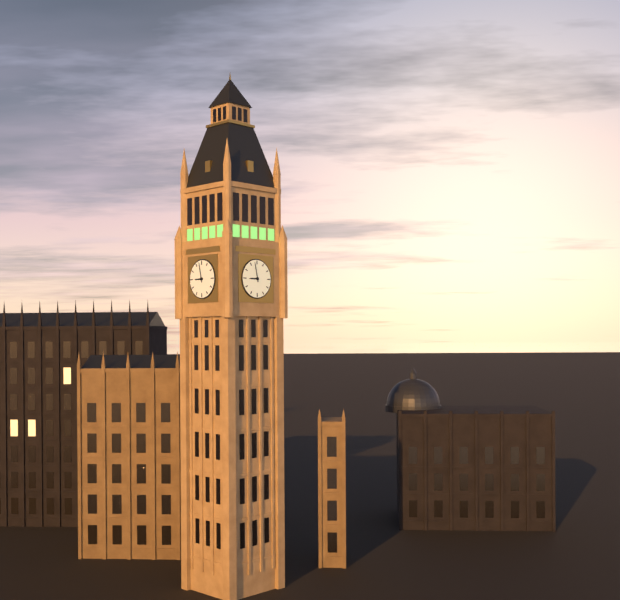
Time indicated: 8:58
